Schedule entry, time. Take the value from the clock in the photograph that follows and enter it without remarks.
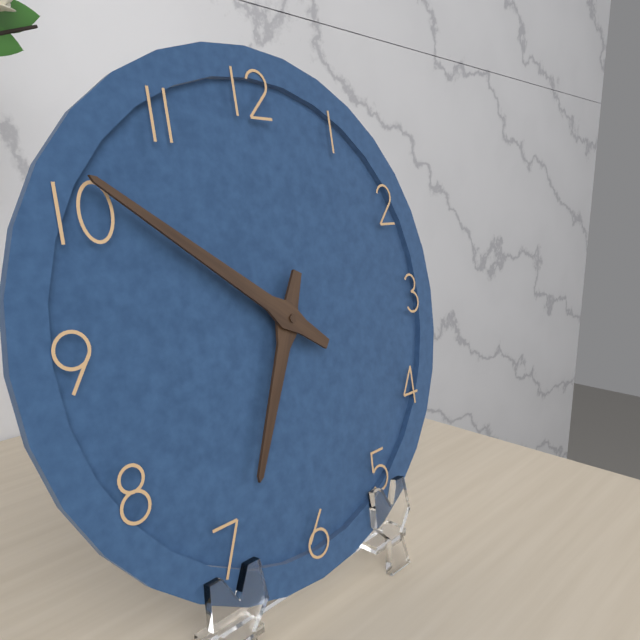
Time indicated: 6:51
